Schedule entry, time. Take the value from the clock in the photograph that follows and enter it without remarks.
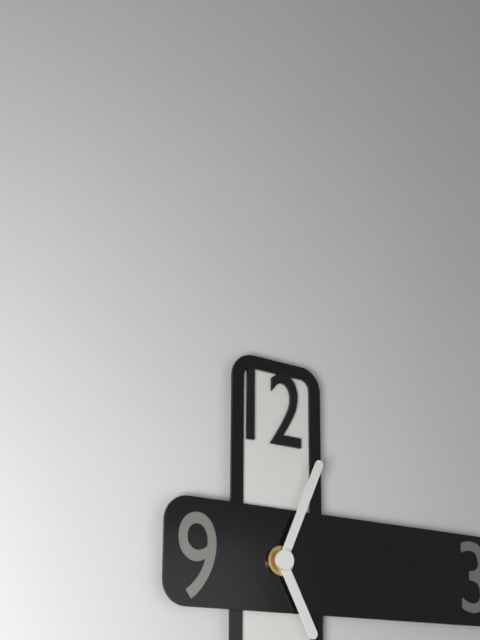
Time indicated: 5:04
